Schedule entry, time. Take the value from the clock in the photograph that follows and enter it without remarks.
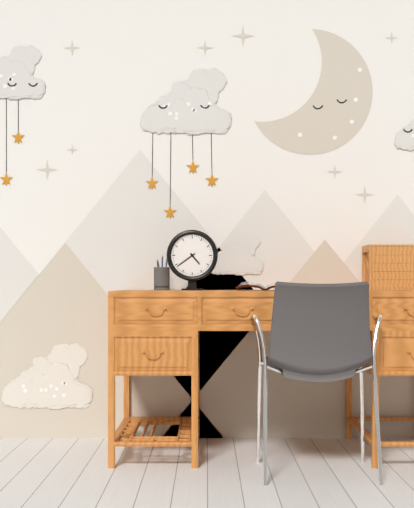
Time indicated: 4:39
